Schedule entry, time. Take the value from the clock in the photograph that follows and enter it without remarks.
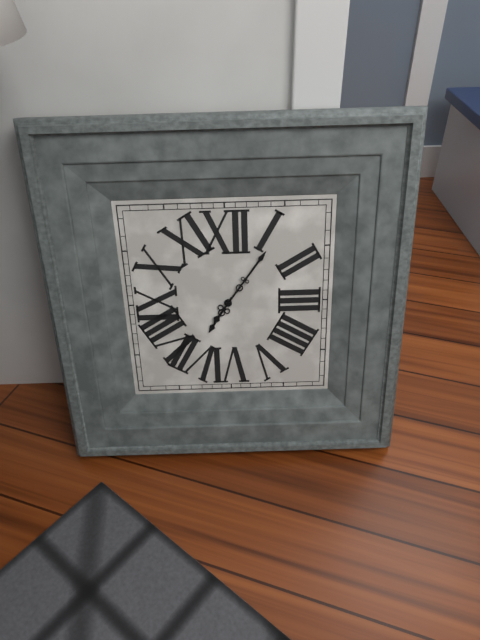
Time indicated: 7:06
